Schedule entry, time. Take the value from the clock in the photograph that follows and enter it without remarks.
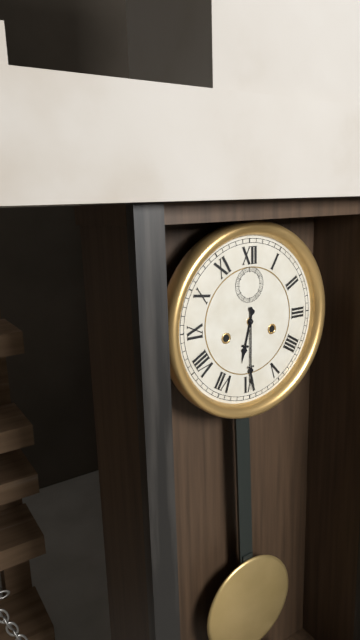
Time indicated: 6:30
